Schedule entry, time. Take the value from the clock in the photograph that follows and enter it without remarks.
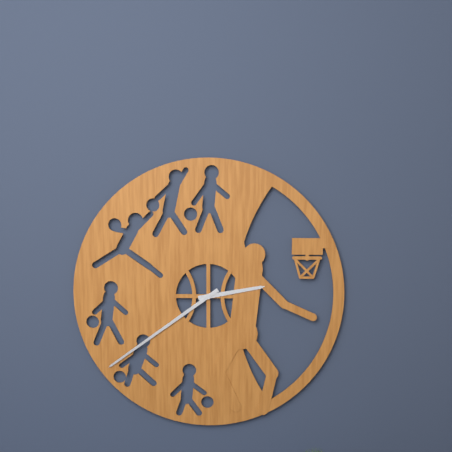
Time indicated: 2:39
